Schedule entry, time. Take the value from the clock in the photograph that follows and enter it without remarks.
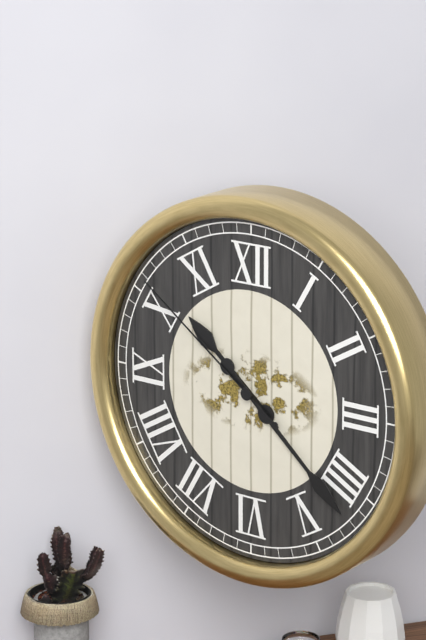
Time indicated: 10:22:51
